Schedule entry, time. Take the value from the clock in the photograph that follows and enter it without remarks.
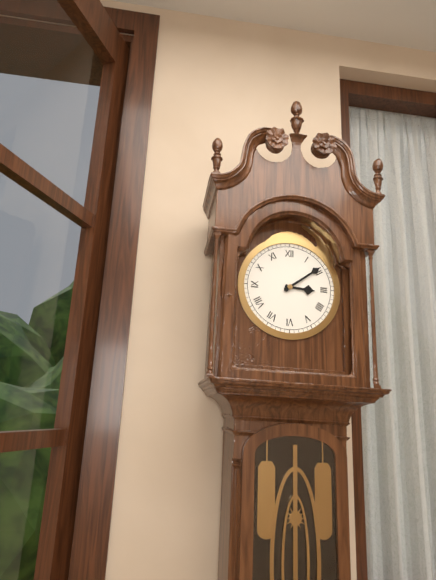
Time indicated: 3:09
